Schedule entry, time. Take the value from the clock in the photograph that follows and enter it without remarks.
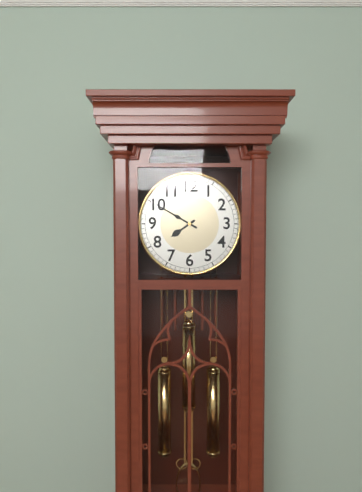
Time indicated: 7:50
